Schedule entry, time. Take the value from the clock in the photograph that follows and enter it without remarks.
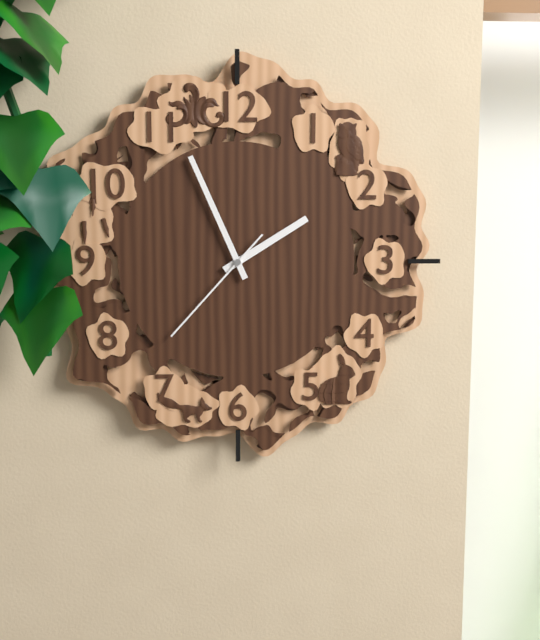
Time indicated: 1:56:37
